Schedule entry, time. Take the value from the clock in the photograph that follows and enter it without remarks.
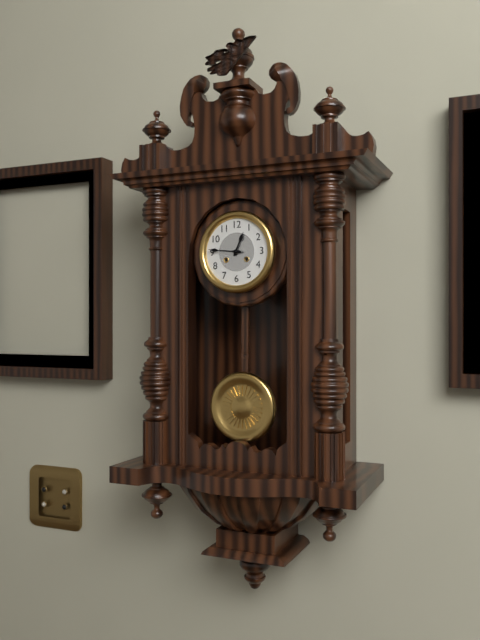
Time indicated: 12:46
